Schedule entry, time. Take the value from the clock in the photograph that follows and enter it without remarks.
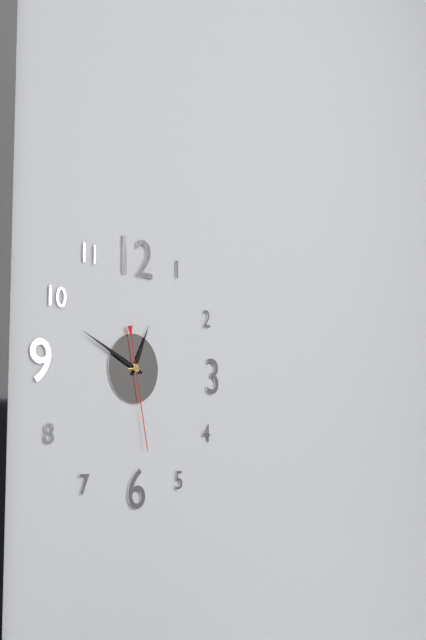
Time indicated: 12:49:28
